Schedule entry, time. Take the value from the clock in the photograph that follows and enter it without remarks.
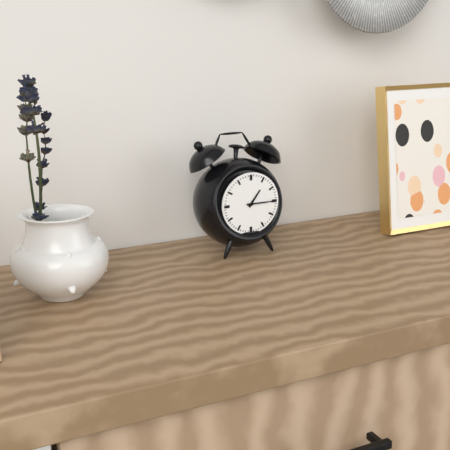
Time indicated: 1:15
